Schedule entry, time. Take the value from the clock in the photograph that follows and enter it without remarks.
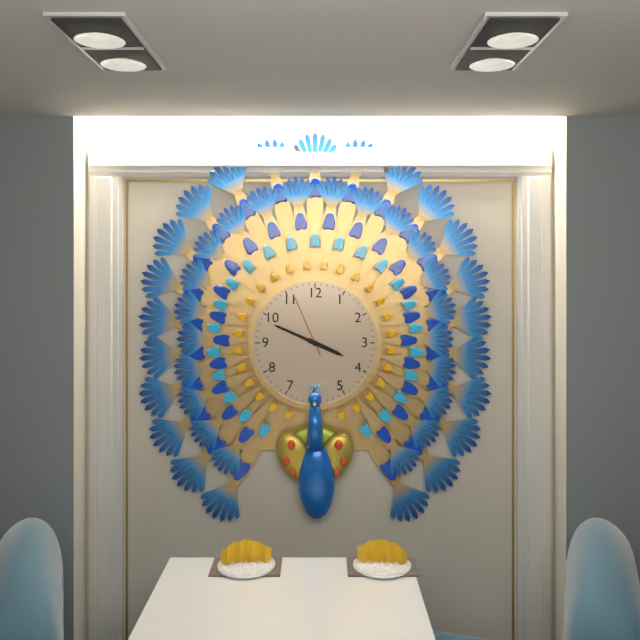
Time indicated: 3:49:56
